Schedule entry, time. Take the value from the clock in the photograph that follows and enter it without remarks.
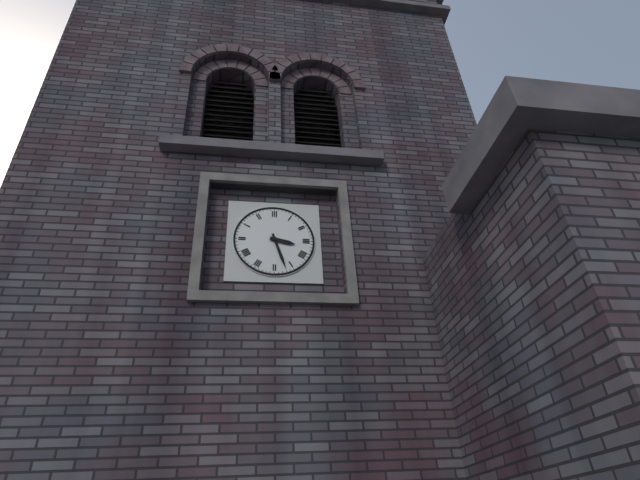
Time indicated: 3:27
